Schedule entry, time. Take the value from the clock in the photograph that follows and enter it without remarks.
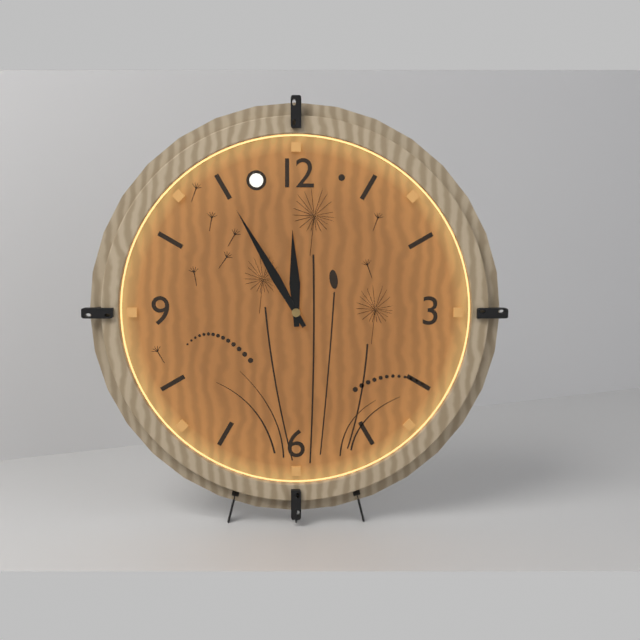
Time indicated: 11:55
